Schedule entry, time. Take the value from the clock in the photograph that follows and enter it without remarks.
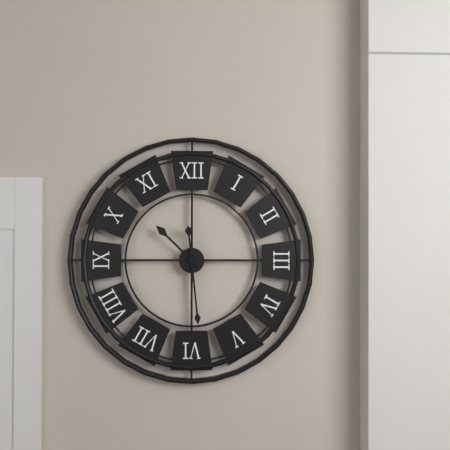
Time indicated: 10:29
